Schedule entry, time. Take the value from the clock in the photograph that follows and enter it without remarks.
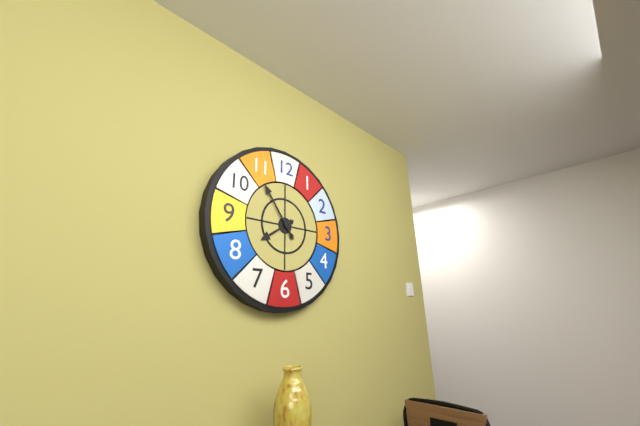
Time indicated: 7:54
